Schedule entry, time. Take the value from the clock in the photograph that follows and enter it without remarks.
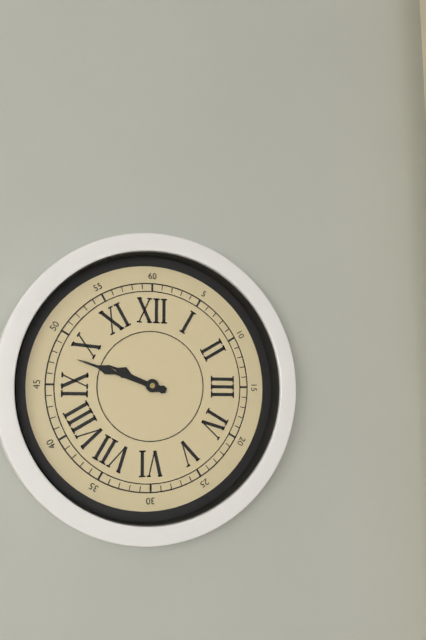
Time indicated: 9:48
